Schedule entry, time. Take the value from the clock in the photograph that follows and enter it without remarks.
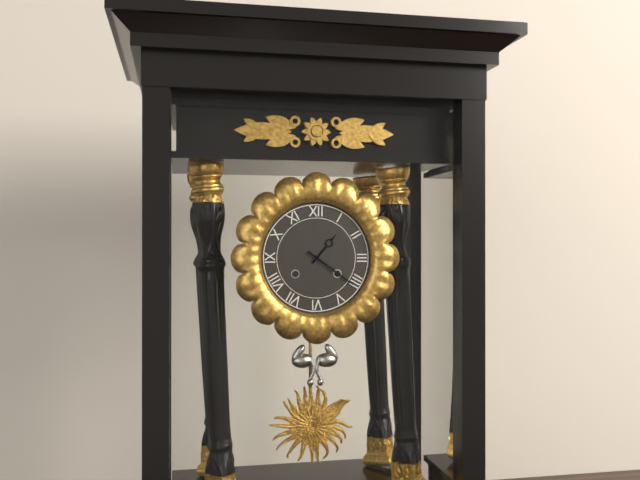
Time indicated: 1:21
